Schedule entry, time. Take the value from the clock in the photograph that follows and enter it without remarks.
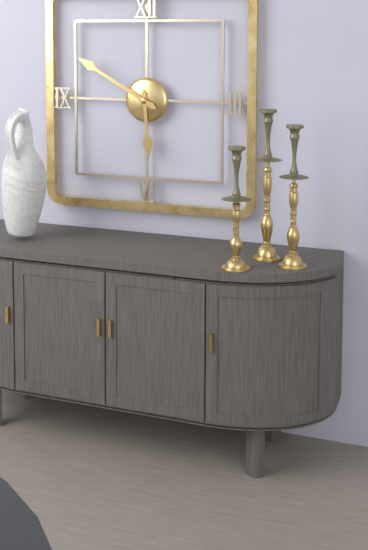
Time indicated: 5:50
